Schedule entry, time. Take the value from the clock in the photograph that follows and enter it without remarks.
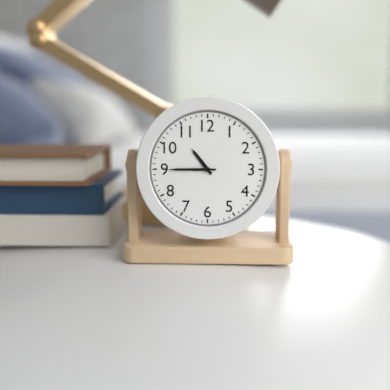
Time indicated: 10:45
